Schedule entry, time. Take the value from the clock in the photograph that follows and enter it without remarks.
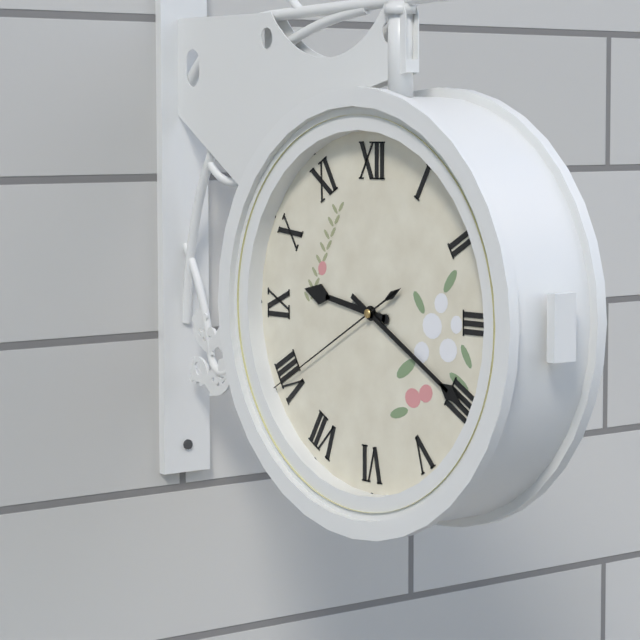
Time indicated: 9:20:40
